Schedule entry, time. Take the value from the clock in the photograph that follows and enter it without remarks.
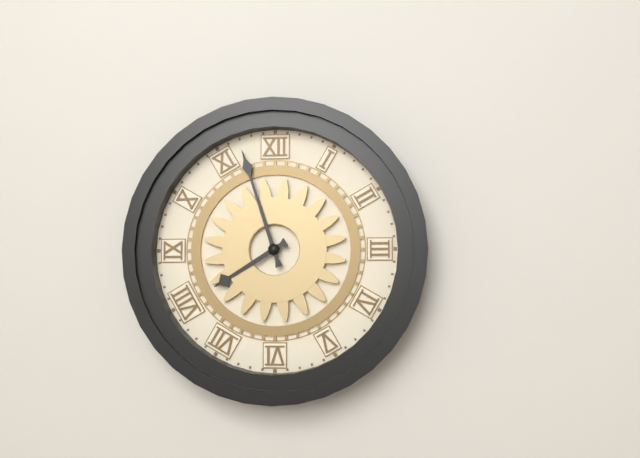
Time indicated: 7:57
